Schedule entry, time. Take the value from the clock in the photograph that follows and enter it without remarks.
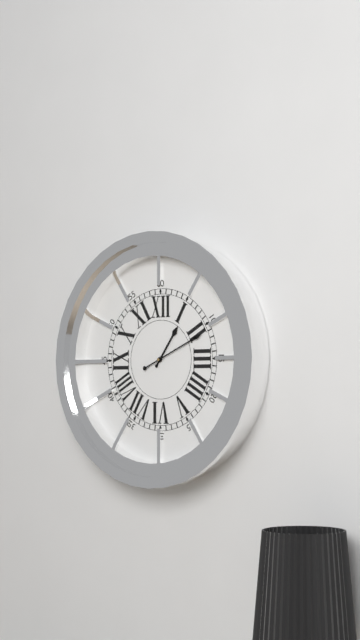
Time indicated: 1:11
